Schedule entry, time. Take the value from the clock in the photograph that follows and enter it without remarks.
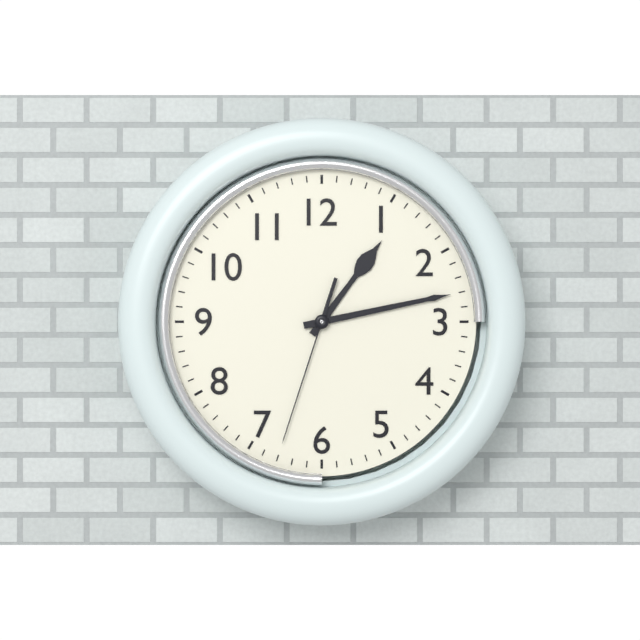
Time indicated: 1:13:33
